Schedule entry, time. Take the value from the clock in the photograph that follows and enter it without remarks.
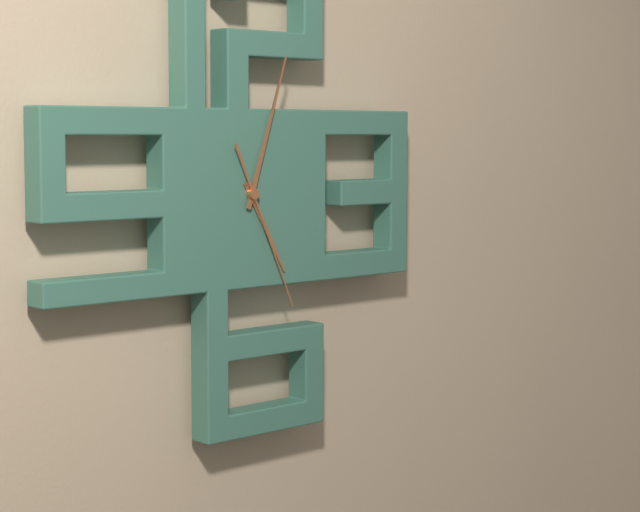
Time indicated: 5:03:26
